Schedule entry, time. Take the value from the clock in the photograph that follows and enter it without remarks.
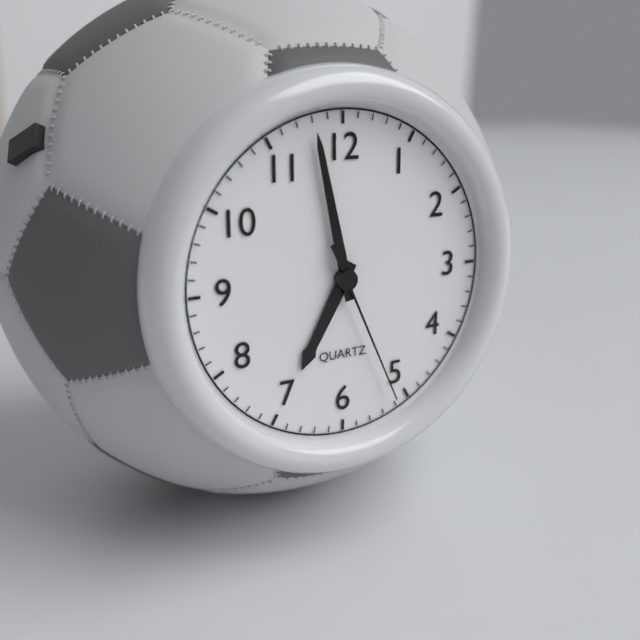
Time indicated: 6:58:26
